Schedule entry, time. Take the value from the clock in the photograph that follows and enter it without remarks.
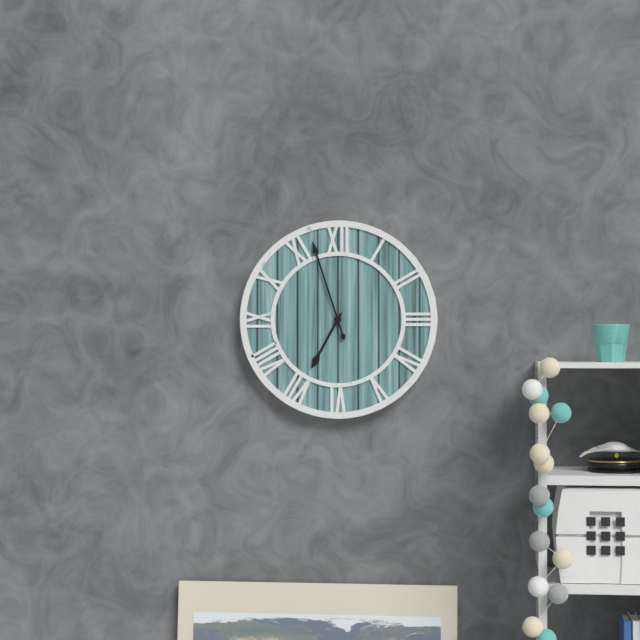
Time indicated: 6:57
